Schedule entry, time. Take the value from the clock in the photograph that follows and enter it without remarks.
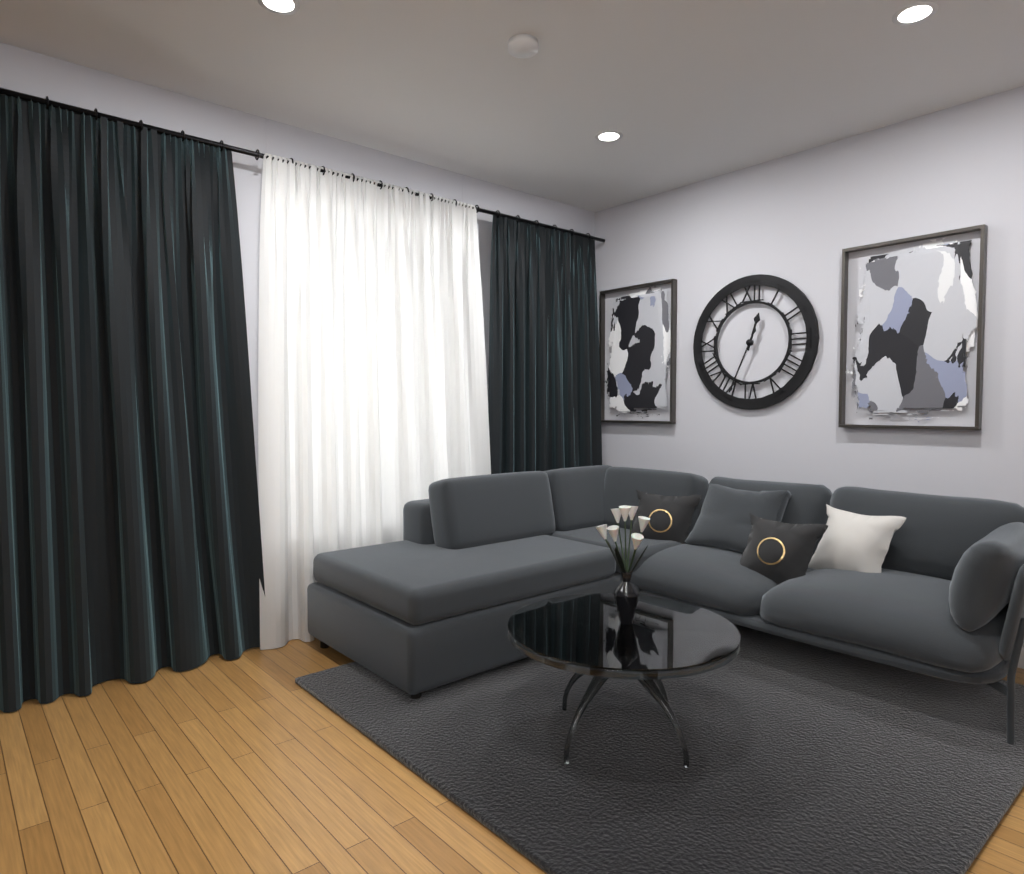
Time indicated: 12:34
